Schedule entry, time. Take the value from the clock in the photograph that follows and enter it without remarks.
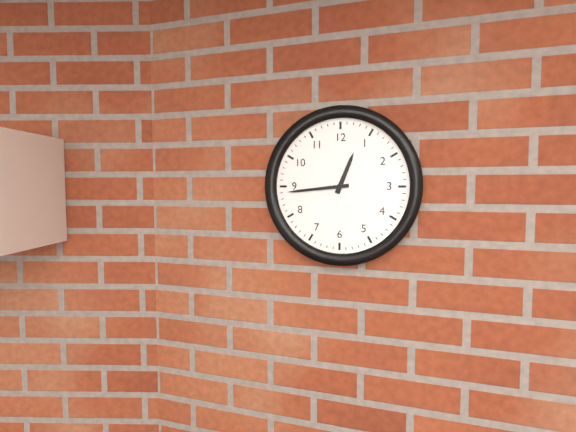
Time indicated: 12:44
